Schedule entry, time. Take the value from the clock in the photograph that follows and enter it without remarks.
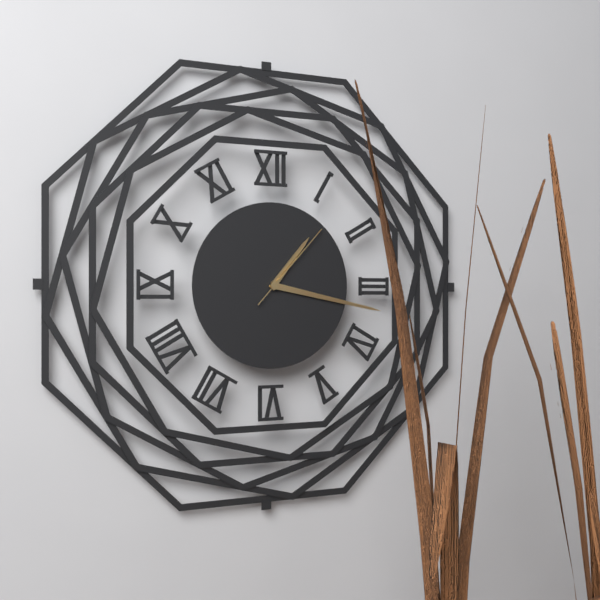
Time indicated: 1:17:07
